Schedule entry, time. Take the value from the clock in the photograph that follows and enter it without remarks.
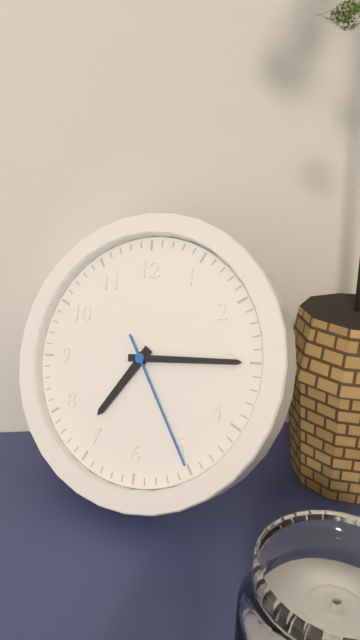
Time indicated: 7:15:25
